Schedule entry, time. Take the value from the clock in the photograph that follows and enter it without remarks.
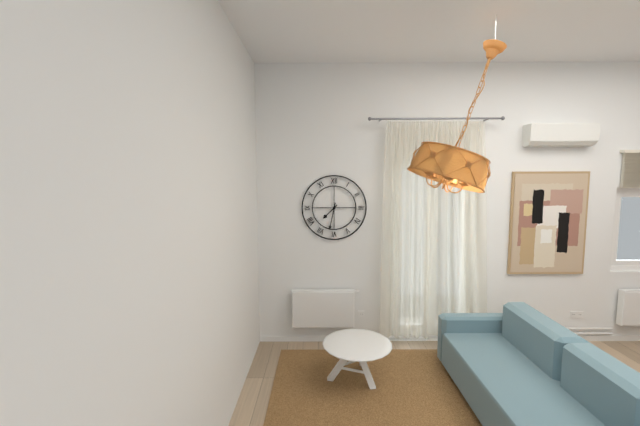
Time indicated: 7:32
